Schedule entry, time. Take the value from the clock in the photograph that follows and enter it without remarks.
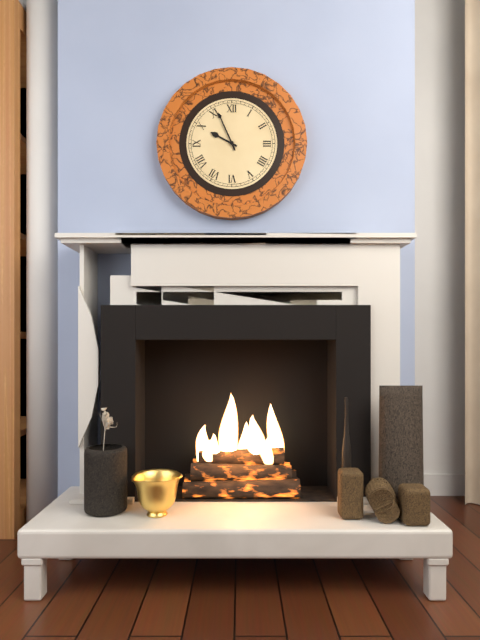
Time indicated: 9:56
